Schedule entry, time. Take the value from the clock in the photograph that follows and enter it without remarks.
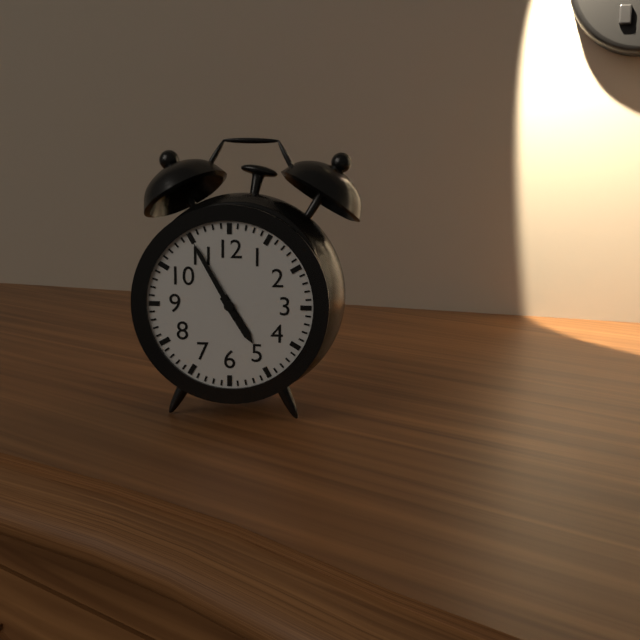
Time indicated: 4:55
